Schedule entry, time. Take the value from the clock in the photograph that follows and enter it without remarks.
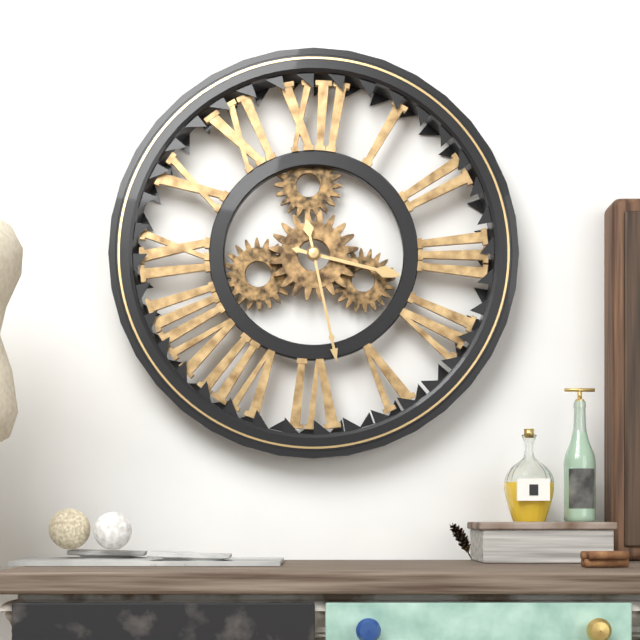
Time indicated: 3:28
